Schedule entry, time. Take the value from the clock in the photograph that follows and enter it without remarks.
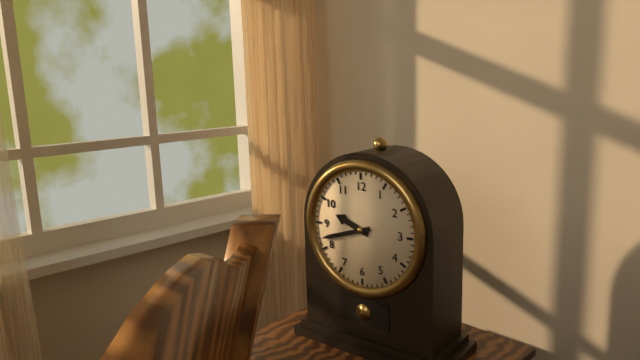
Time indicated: 9:42
